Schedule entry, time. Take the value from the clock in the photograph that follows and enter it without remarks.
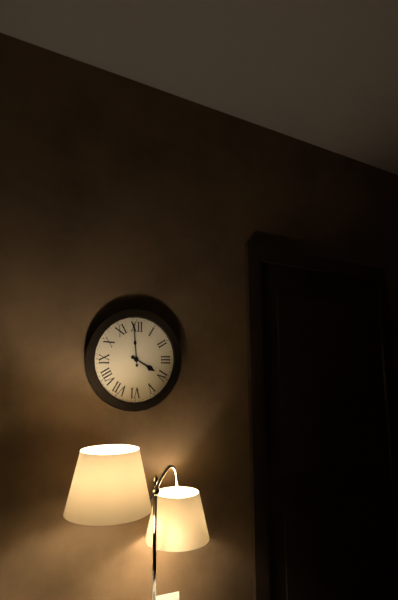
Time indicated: 3:59
